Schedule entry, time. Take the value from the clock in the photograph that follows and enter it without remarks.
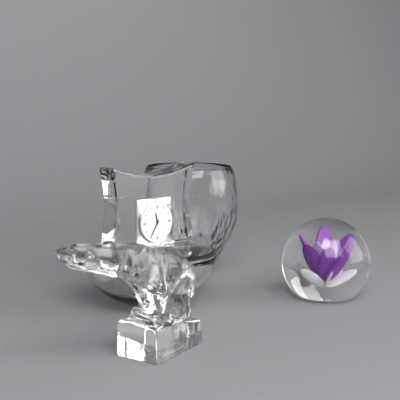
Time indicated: 11:35
